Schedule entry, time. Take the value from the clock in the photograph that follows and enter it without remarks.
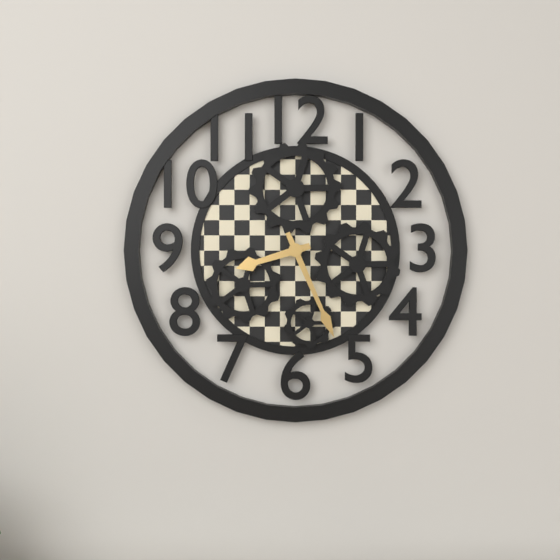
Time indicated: 8:26
